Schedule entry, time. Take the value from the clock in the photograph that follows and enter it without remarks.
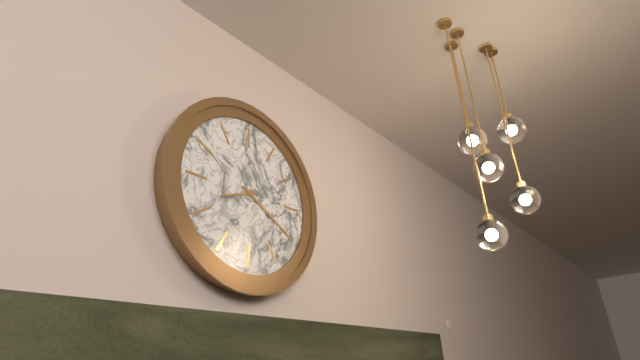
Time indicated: 8:20
